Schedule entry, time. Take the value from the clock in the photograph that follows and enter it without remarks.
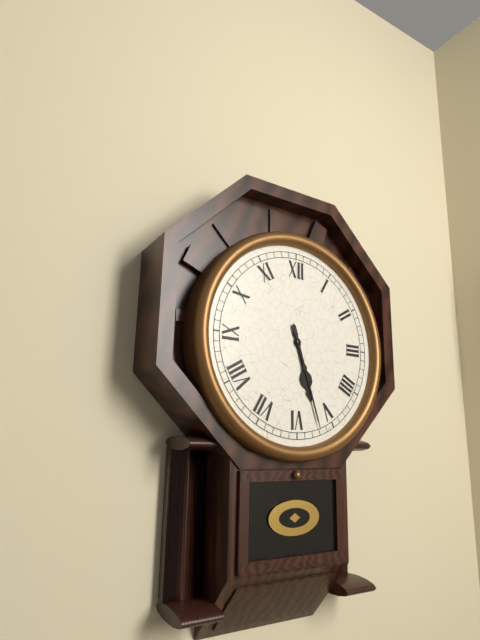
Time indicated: 5:27
